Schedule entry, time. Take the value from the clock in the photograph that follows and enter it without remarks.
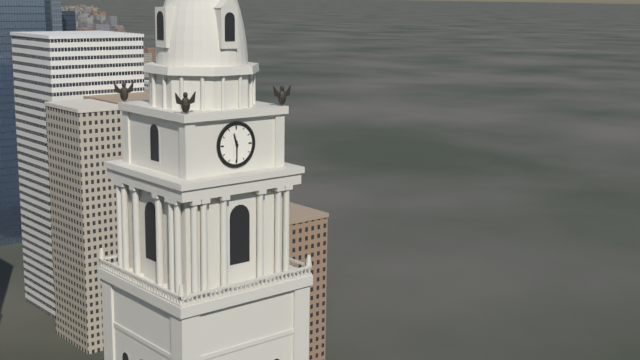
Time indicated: 11:30
